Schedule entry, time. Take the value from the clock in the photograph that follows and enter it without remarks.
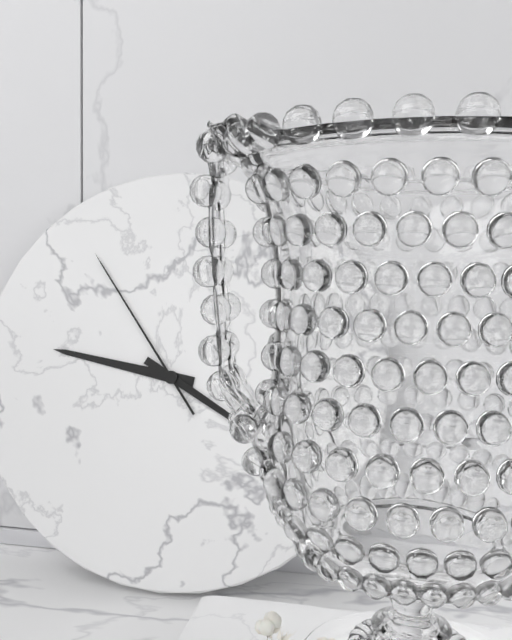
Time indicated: 9:20:54
